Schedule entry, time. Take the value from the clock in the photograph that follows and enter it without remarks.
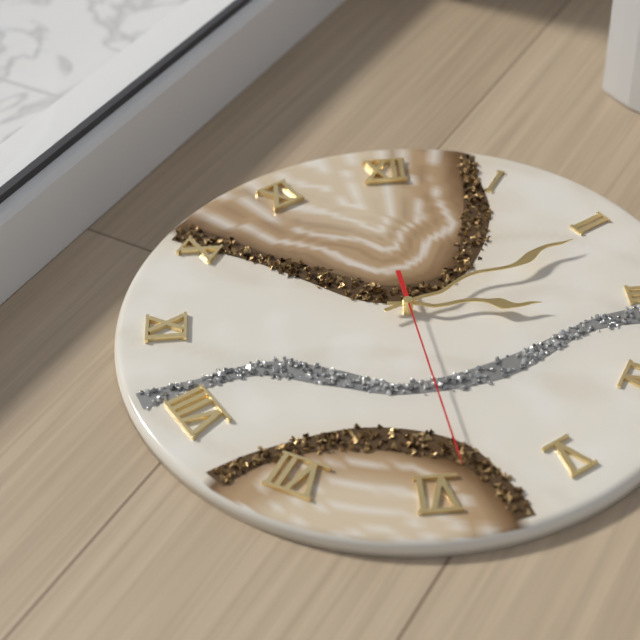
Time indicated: 3:11:29
